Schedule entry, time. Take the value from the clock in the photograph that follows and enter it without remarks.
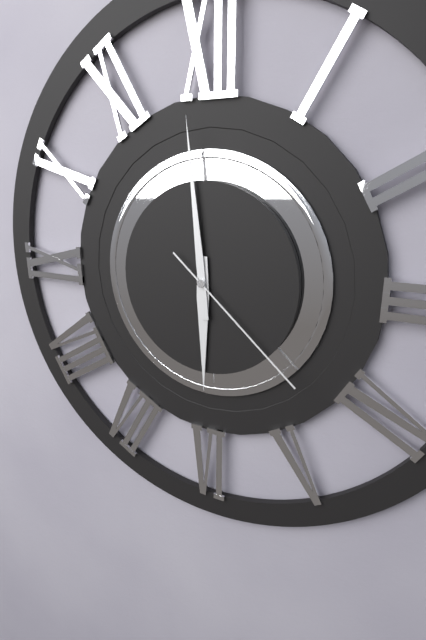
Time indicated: 5:59:22
